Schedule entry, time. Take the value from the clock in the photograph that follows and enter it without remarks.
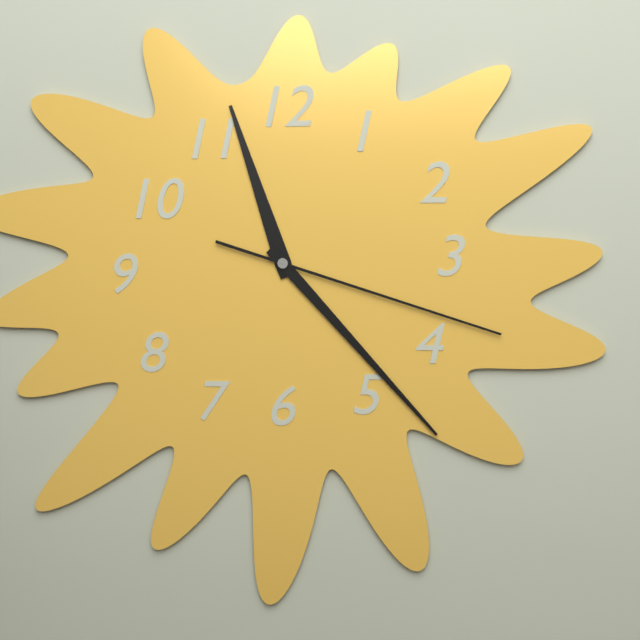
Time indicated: 11:23:18
